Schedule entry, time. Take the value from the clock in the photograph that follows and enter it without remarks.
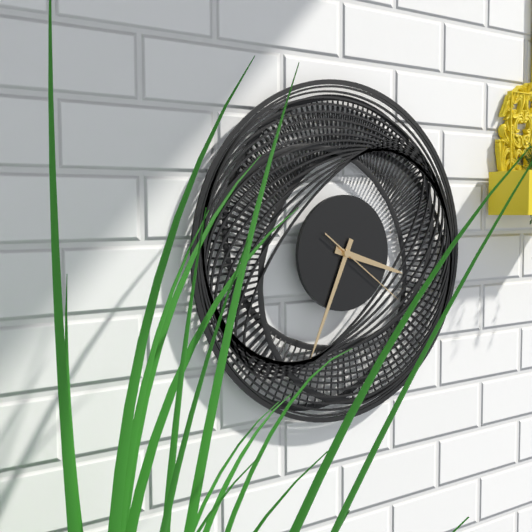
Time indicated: 3:34:21
